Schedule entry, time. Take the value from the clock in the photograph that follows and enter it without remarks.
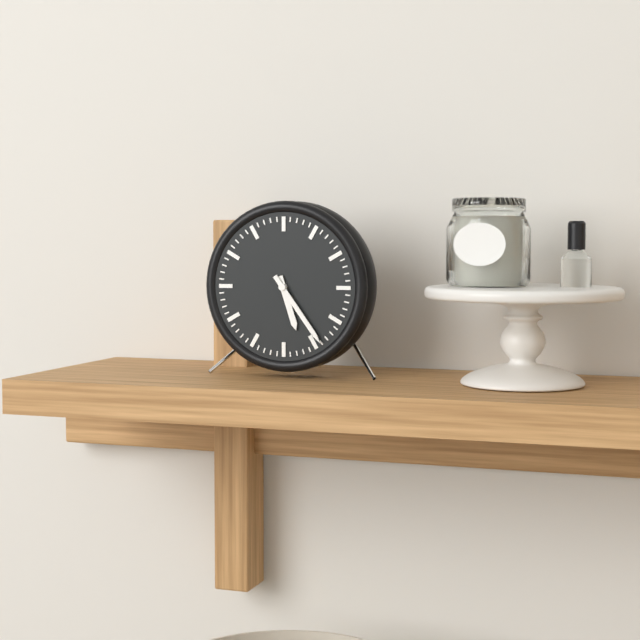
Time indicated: 5:24
